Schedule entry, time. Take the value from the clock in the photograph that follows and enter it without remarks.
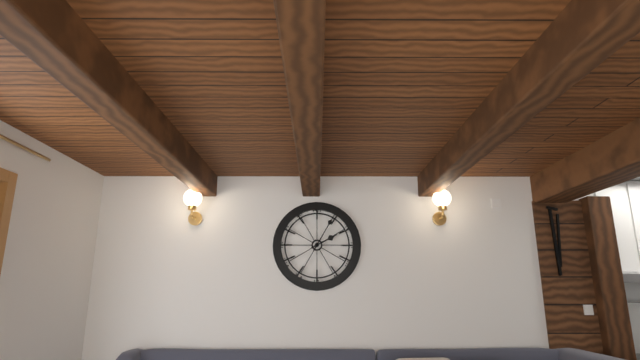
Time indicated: 2:05
